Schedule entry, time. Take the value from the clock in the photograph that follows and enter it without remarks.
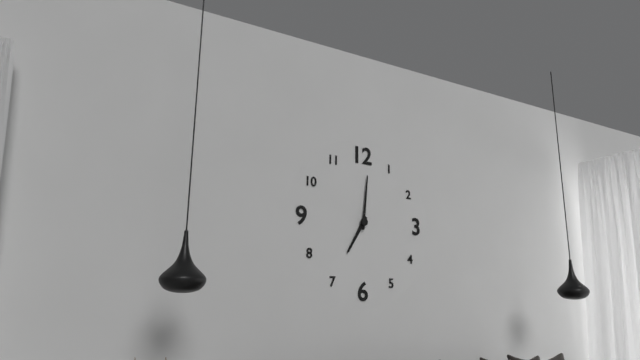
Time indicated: 7:01
